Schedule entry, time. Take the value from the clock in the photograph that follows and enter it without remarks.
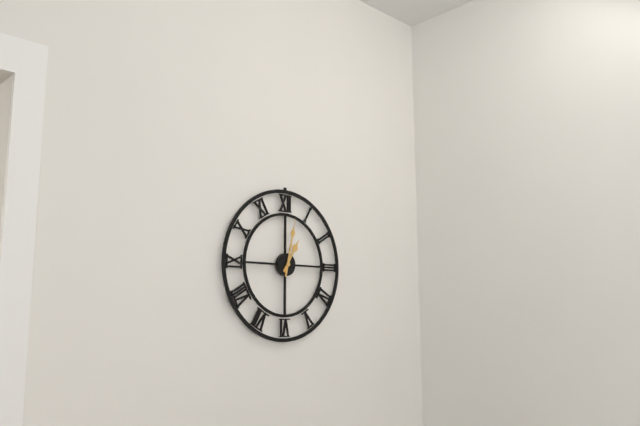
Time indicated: 1:02
